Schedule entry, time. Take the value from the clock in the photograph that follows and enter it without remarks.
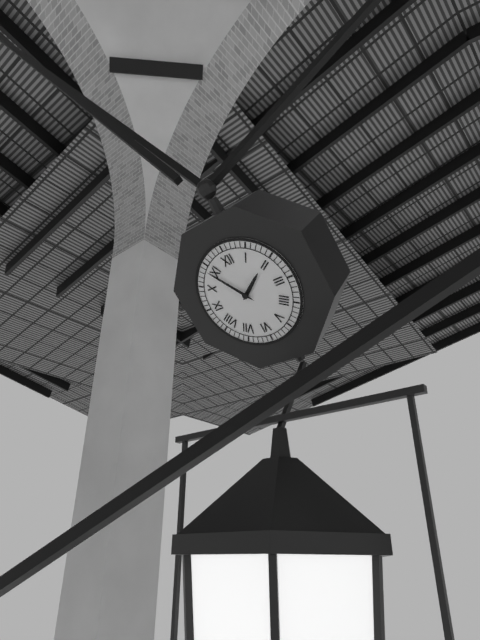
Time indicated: 1:54
